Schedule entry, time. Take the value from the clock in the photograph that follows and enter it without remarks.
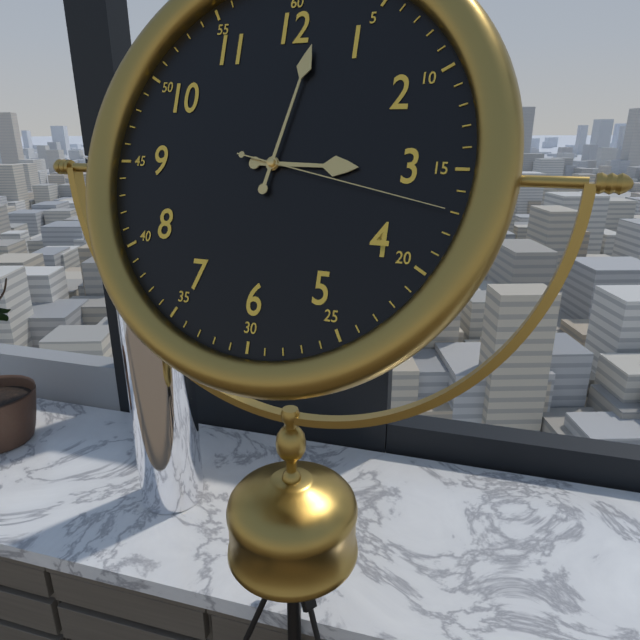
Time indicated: 3:02:17
